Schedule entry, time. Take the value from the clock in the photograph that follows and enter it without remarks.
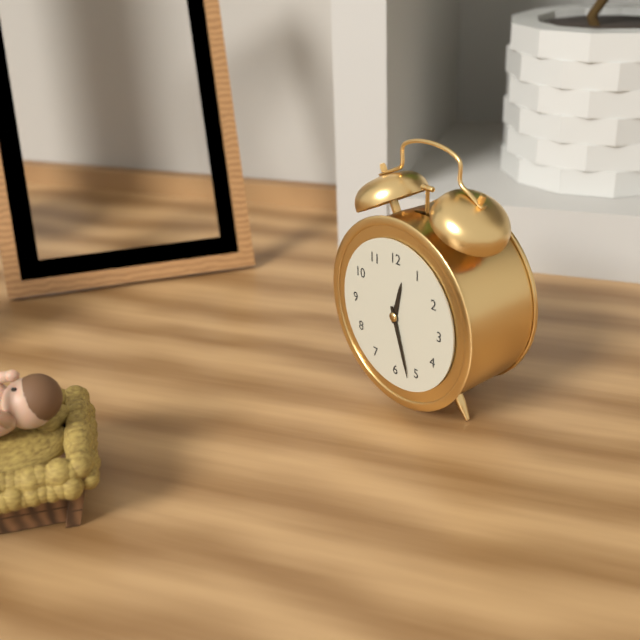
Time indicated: 12:27
